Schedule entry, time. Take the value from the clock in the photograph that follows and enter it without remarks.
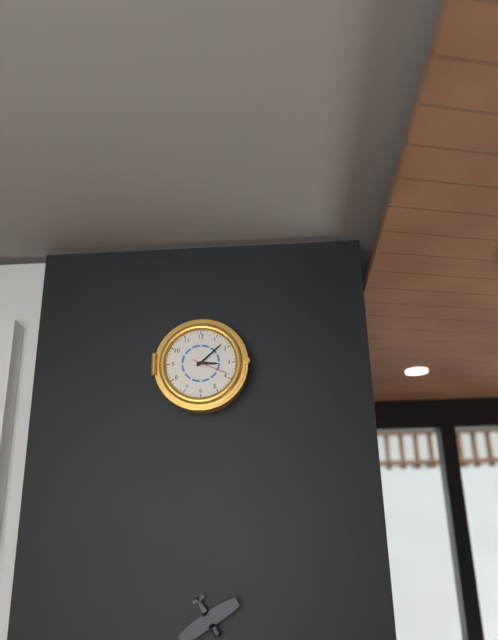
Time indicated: 3:08
